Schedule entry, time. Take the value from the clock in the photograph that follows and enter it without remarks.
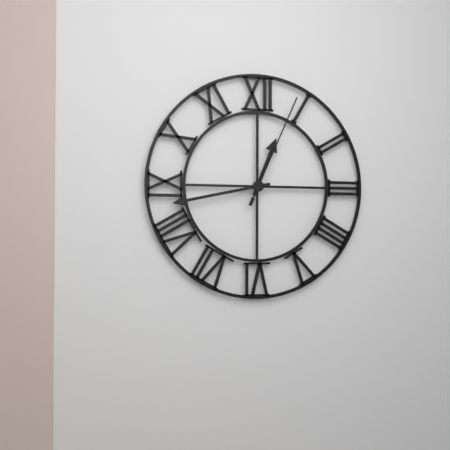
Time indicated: 12:43:04
